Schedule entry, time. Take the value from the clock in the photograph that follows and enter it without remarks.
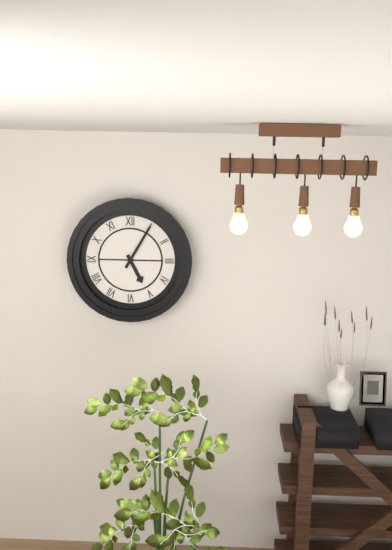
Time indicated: 5:05
